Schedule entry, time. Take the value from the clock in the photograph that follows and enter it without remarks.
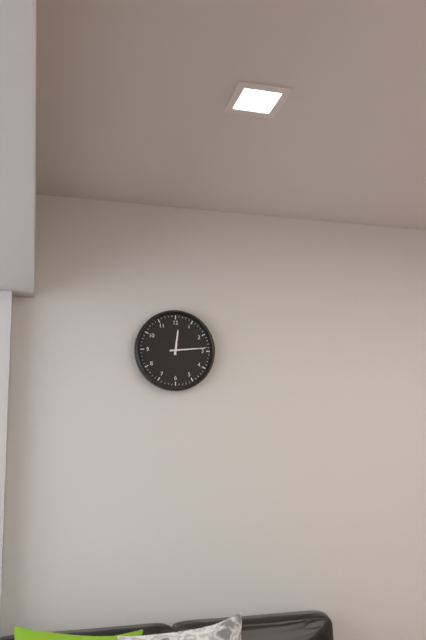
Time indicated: 12:14
